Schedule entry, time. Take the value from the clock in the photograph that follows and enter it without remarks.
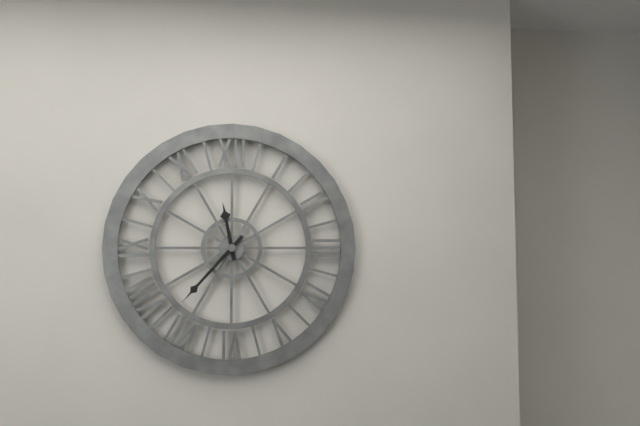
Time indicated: 11:37
